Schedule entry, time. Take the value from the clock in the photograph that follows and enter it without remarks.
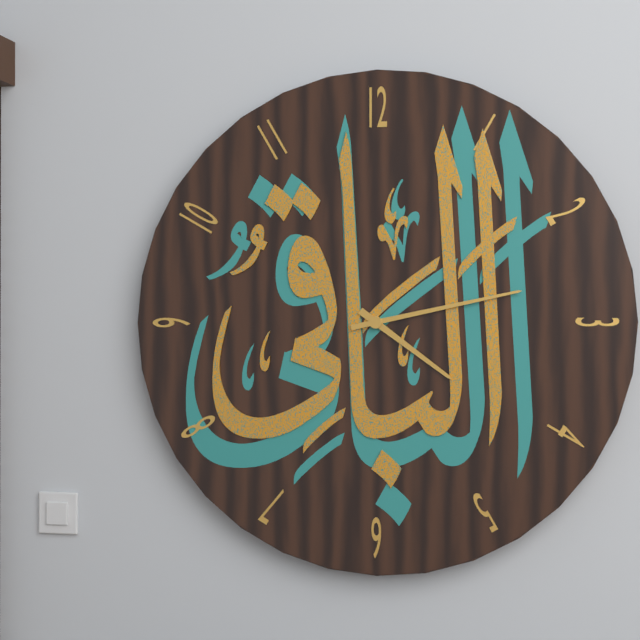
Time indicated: 4:13
